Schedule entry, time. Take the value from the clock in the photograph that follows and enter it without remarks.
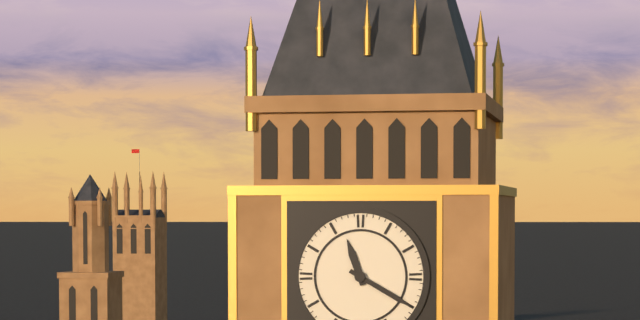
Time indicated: 11:20
